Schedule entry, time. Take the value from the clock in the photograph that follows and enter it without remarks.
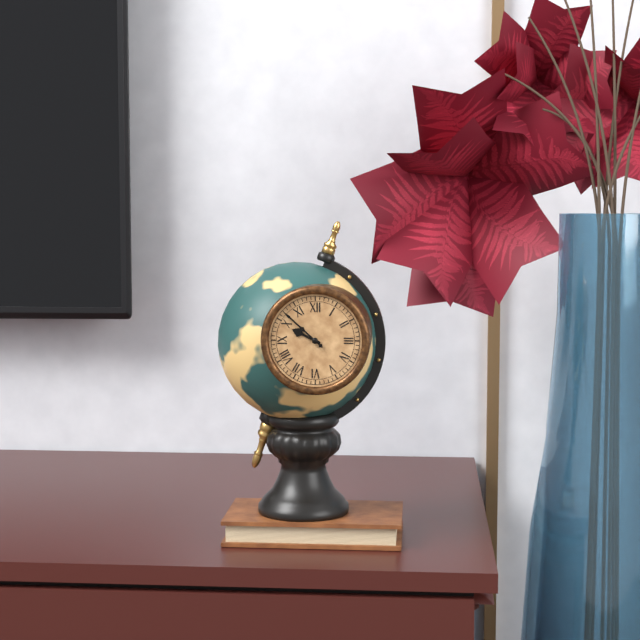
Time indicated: 9:52
